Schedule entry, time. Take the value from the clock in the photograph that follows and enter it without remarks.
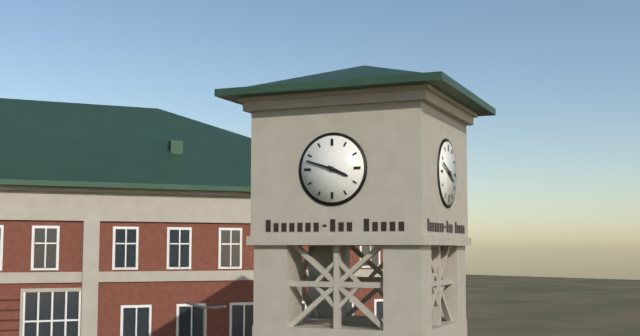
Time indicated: 3:48
